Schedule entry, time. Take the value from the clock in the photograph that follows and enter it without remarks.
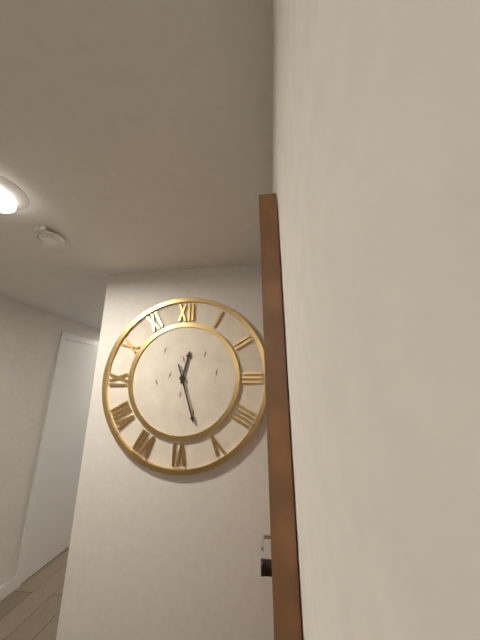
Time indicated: 12:27
